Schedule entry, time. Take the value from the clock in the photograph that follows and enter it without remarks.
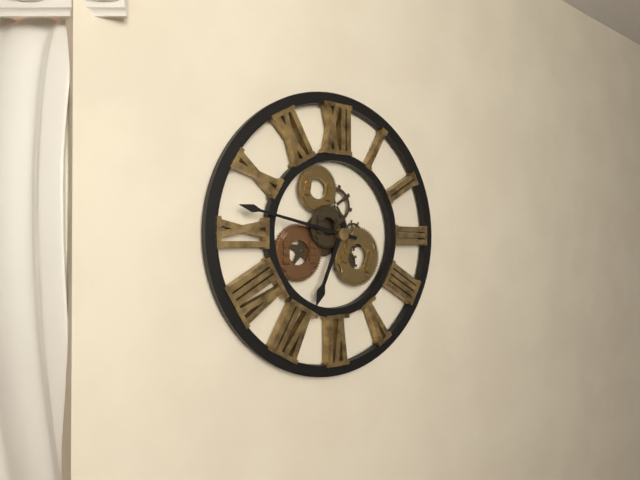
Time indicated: 6:47
